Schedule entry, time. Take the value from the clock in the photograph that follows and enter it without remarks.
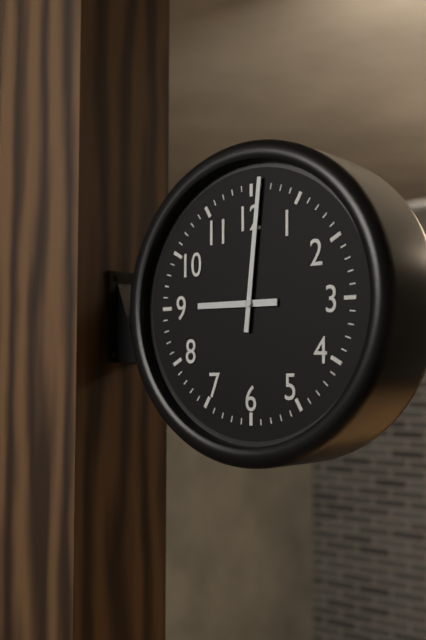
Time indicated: 9:01
